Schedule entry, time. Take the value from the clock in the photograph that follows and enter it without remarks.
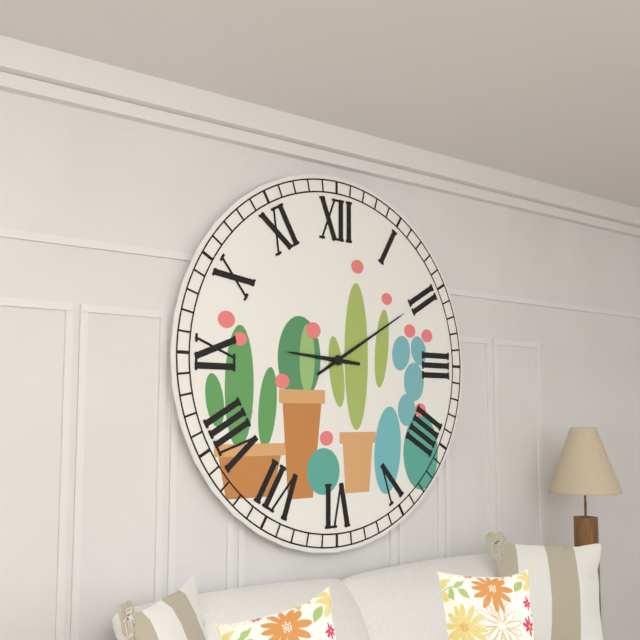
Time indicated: 9:10
